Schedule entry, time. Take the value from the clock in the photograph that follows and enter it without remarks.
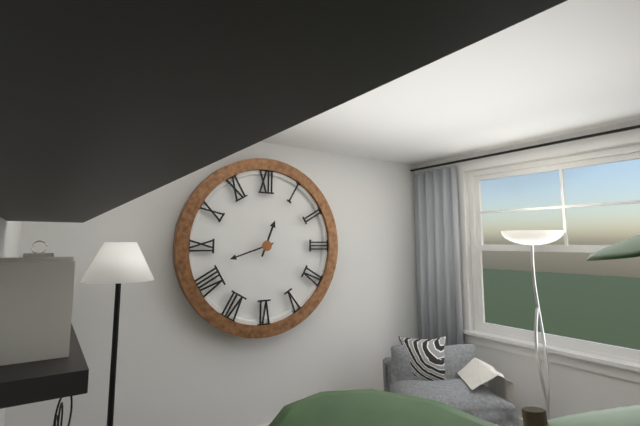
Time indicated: 12:42
